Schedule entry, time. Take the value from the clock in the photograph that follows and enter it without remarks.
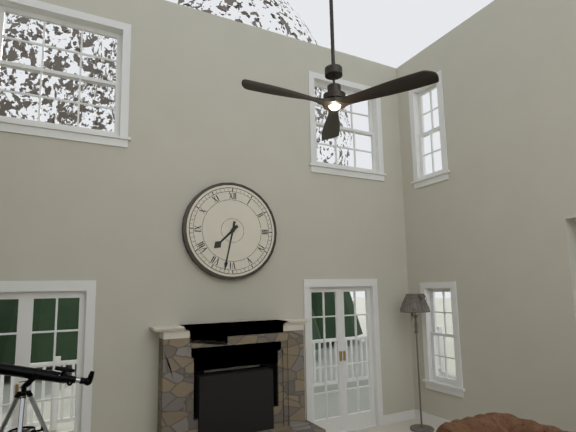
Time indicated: 7:32
